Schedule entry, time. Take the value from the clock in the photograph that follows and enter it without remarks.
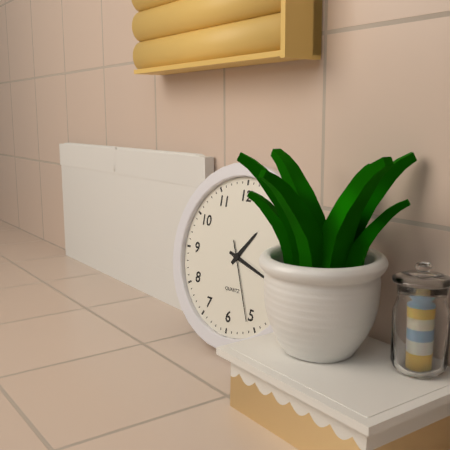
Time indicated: 1:18:26
